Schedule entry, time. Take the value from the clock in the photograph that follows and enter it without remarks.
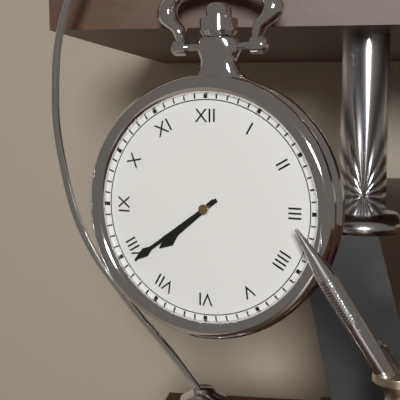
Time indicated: 7:39
